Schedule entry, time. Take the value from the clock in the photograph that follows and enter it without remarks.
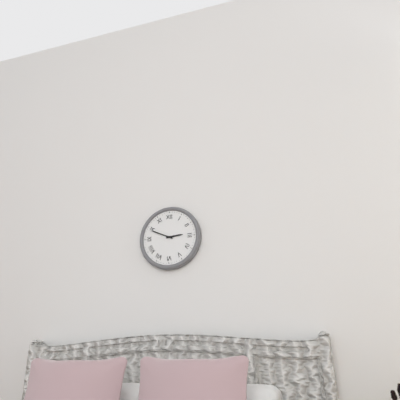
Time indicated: 2:49
